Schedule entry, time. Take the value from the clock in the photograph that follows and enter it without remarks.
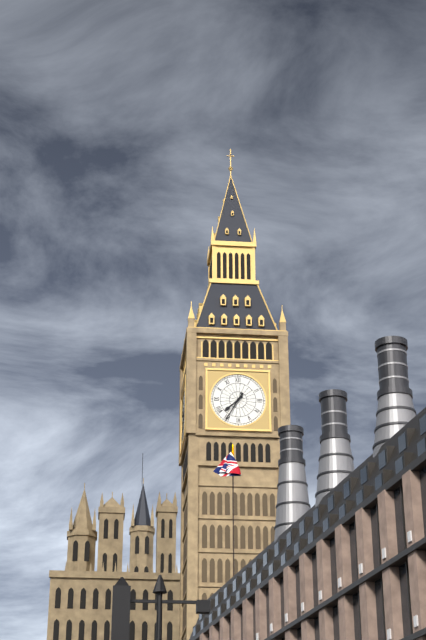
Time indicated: 7:35
